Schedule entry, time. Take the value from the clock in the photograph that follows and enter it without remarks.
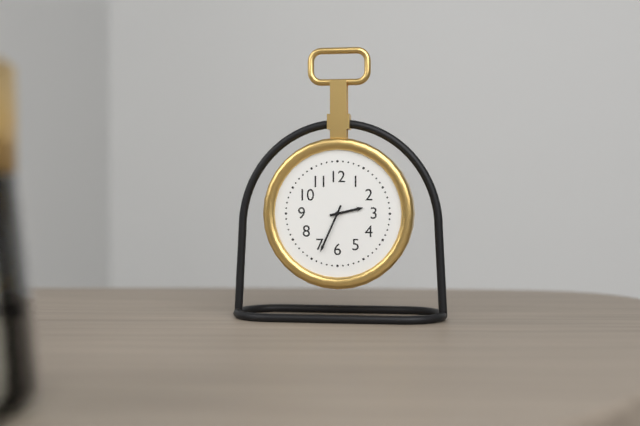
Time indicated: 2:34
